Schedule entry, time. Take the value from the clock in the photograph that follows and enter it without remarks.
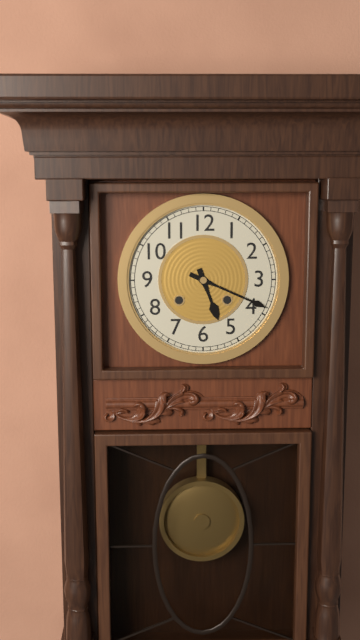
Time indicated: 5:19
